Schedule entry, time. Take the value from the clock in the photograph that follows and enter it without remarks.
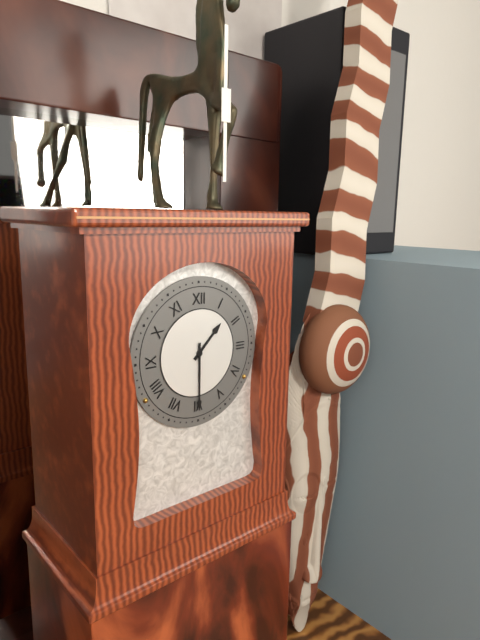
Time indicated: 1:30
